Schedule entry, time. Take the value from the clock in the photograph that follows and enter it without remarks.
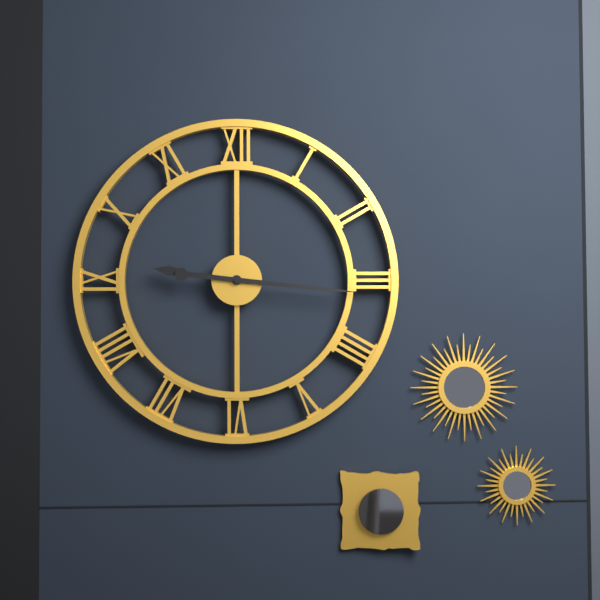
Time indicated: 9:16
